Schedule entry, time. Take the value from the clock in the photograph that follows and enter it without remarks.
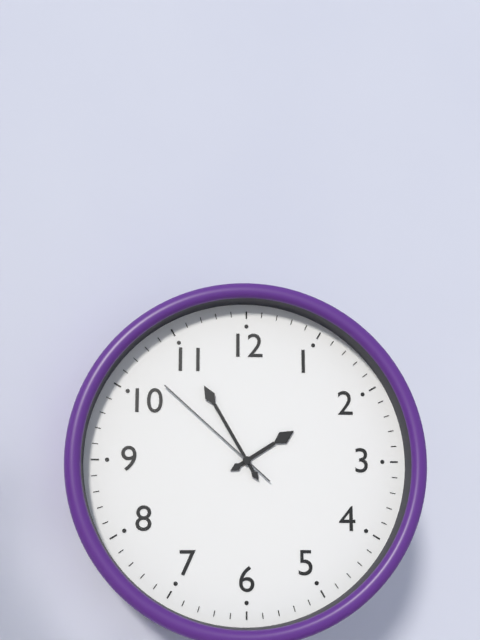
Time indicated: 1:55:52
